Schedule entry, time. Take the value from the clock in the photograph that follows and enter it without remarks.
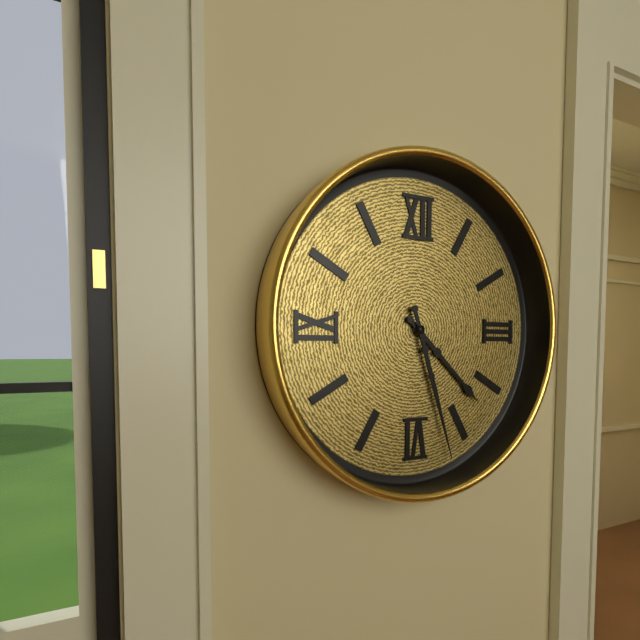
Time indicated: 4:27
